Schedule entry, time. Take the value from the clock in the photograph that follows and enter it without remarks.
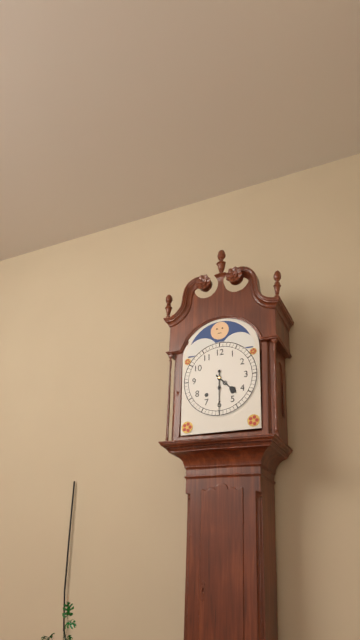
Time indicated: 4:30
